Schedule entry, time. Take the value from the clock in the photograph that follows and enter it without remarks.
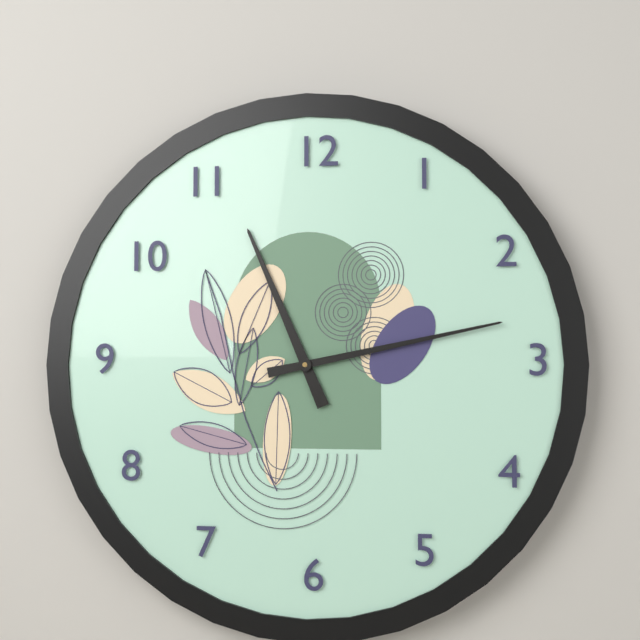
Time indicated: 11:13
